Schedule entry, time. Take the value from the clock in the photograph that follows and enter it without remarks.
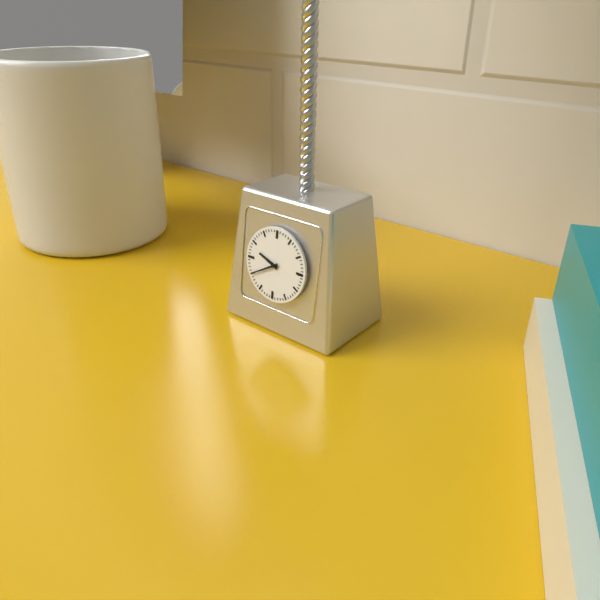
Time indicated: 9:40
